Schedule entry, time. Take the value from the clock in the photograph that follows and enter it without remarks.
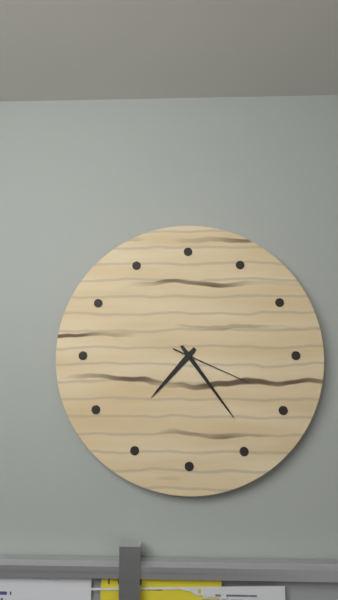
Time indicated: 7:24:19
